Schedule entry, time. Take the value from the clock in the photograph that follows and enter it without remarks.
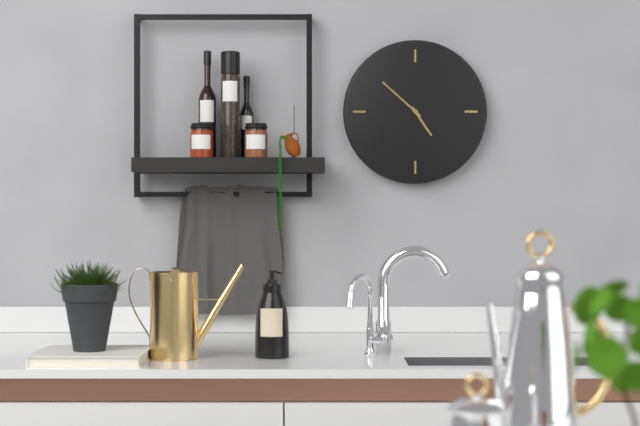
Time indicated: 4:52
